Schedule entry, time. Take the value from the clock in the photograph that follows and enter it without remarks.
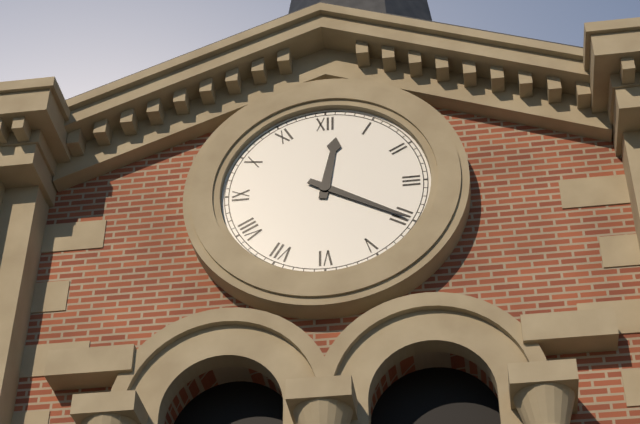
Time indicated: 12:20
